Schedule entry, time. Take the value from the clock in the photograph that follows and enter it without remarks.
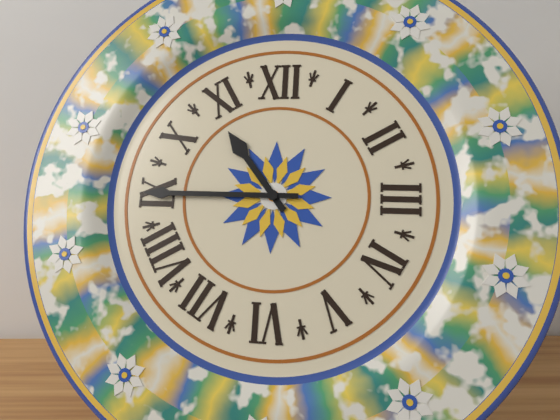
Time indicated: 10:45
